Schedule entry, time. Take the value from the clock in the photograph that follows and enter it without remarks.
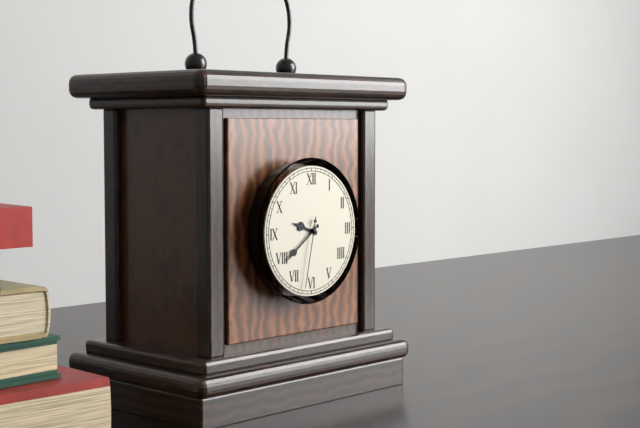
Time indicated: 9:39:32
